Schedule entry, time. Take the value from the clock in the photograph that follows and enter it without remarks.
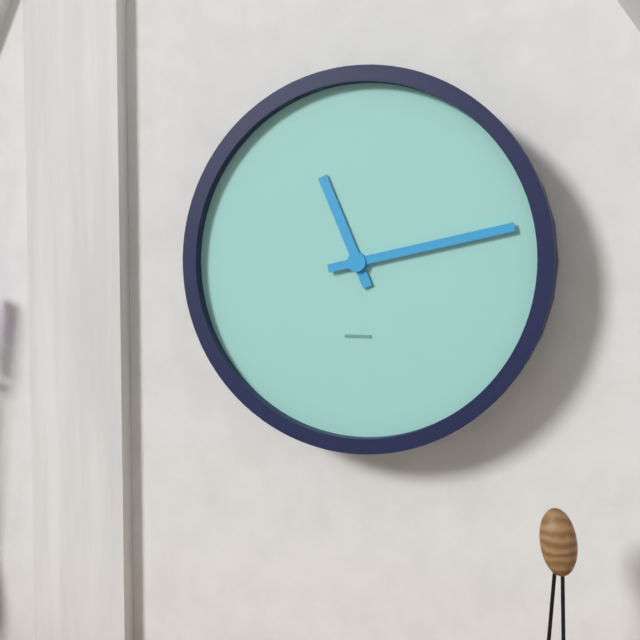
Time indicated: 11:13
